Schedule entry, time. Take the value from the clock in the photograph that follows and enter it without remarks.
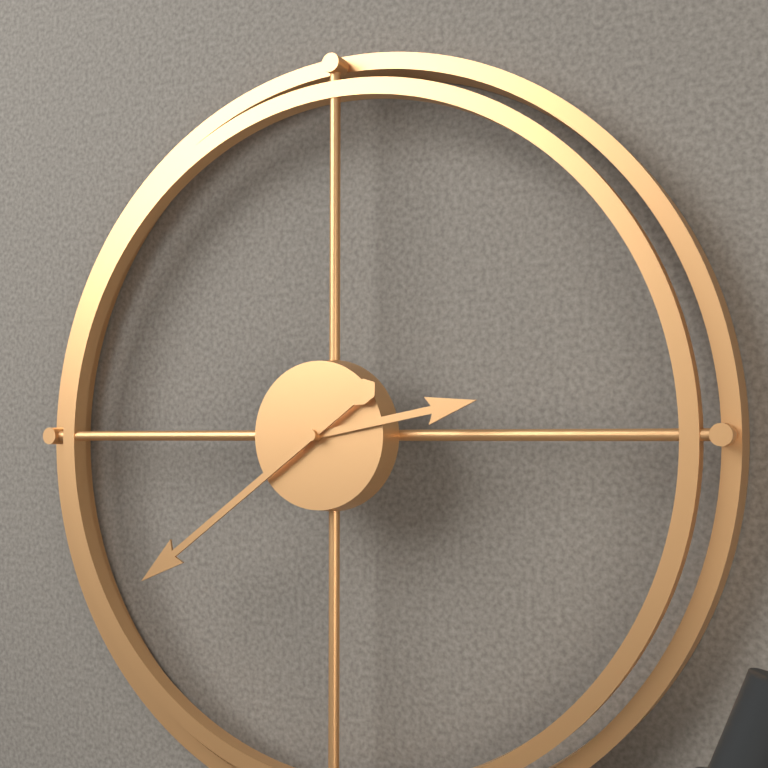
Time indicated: 2:39
